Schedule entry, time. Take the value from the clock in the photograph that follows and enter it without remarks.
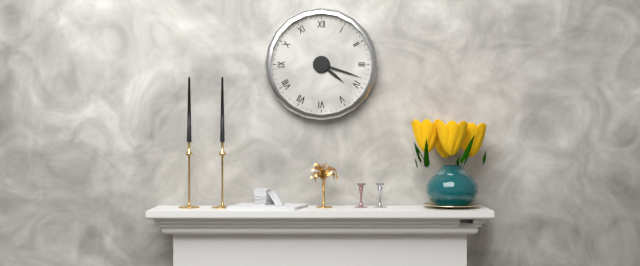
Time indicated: 4:18
